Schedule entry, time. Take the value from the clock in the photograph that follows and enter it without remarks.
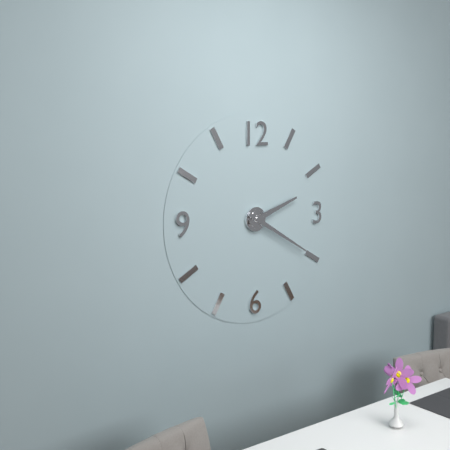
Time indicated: 2:20
